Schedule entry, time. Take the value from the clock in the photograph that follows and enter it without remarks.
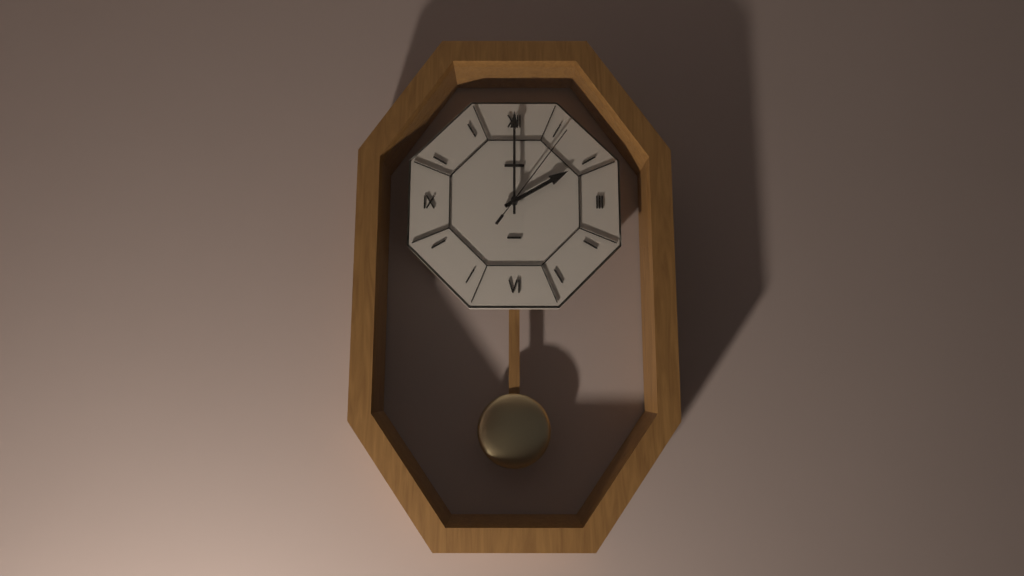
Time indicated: 2:00:06
